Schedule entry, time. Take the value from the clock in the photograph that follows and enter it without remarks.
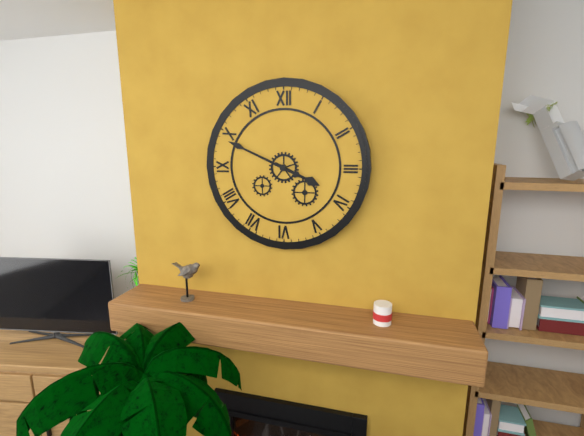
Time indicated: 3:49
